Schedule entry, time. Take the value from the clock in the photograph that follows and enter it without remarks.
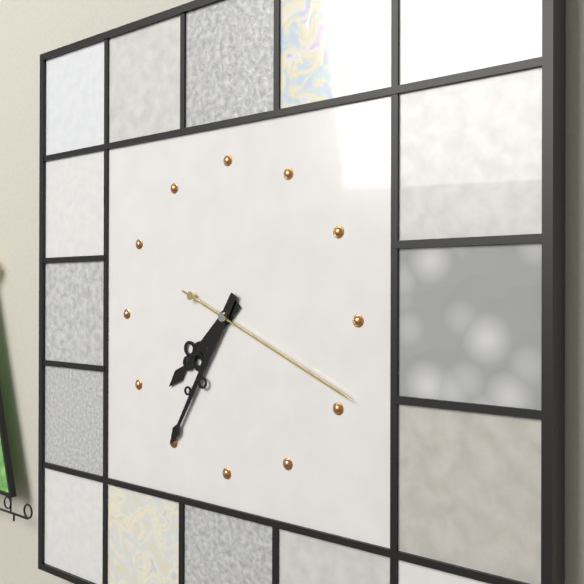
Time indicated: 7:35:19
